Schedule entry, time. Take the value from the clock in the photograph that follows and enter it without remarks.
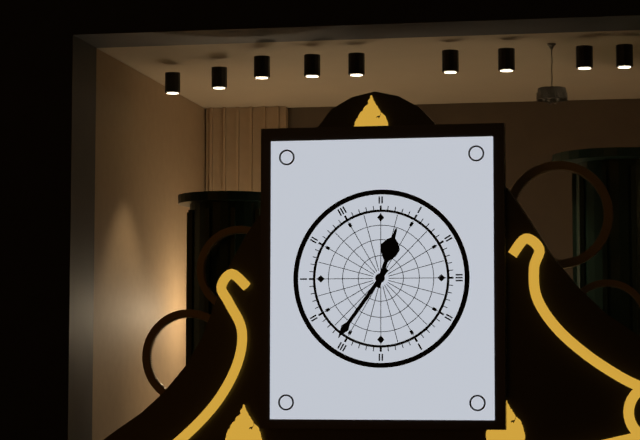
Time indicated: 12:36
